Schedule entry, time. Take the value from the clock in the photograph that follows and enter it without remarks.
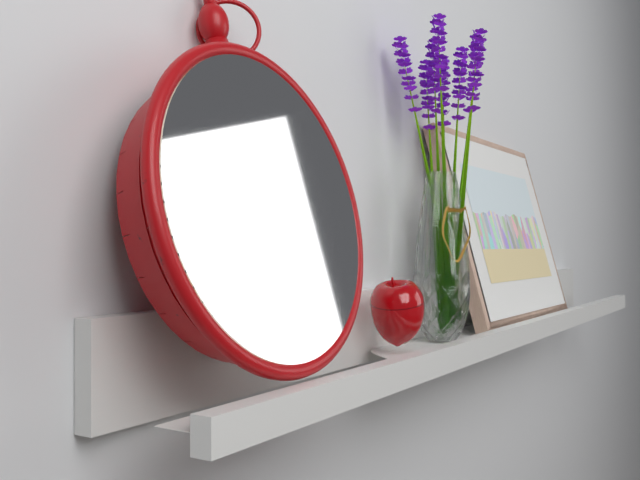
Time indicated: 8:14
